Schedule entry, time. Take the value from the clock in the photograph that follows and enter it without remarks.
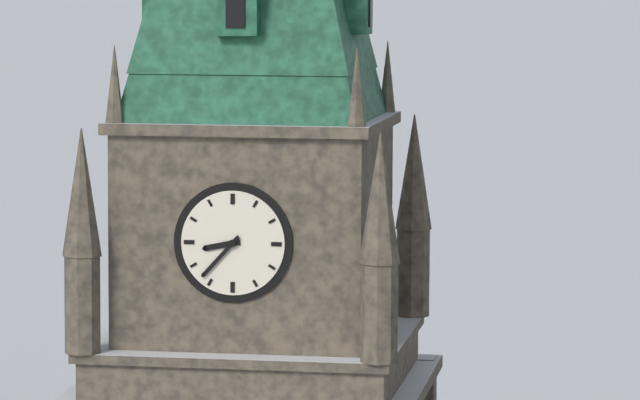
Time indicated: 8:37
